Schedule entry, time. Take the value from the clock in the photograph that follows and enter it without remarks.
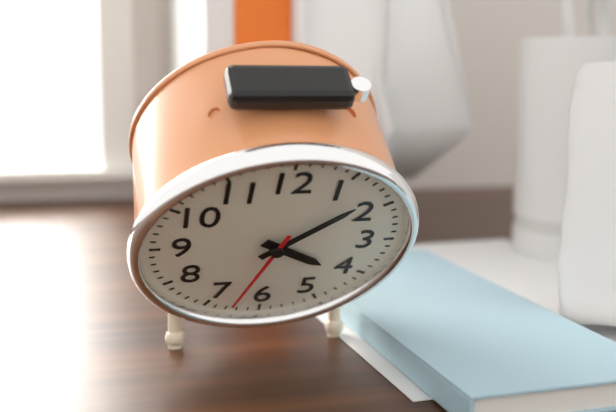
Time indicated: 4:08:33
